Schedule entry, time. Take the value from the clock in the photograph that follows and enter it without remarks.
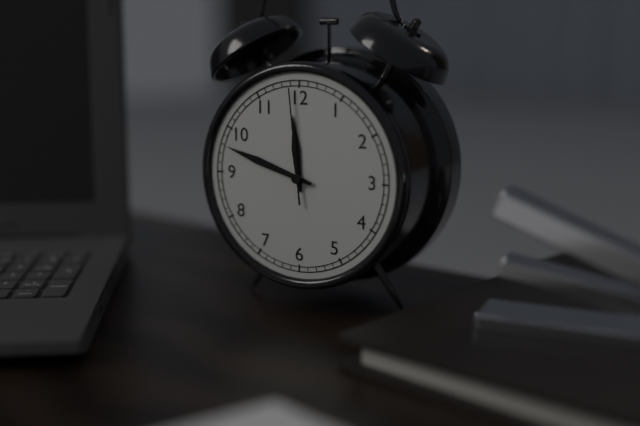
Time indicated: 11:48:59
